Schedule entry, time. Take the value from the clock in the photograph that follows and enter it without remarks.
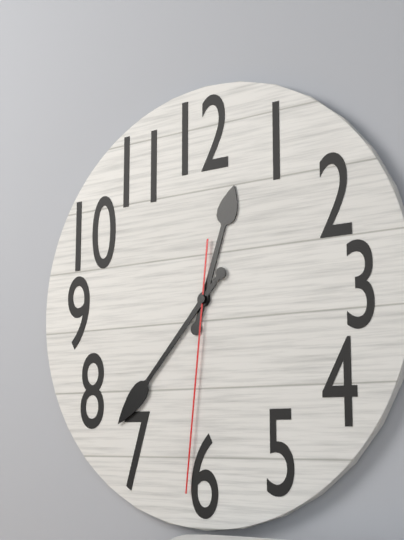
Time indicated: 12:37:31
